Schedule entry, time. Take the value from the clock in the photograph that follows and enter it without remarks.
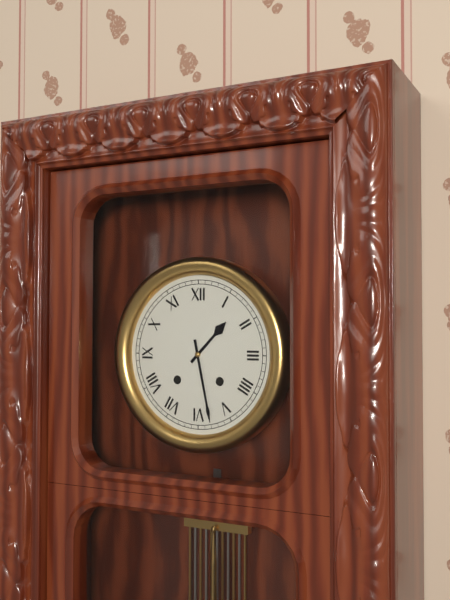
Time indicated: 1:28
